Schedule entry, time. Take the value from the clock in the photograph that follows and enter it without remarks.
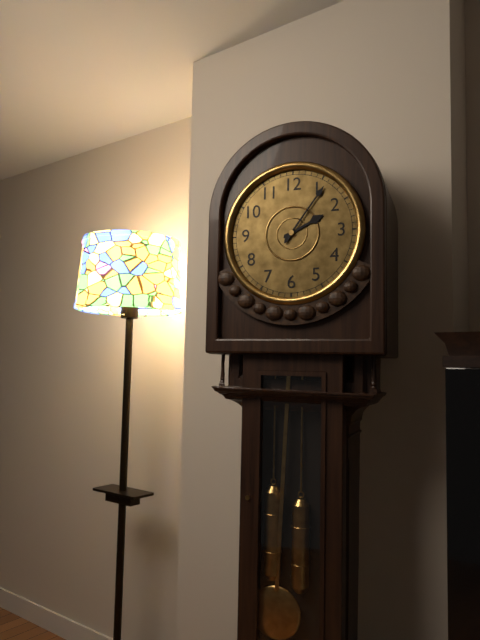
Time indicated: 2:06
